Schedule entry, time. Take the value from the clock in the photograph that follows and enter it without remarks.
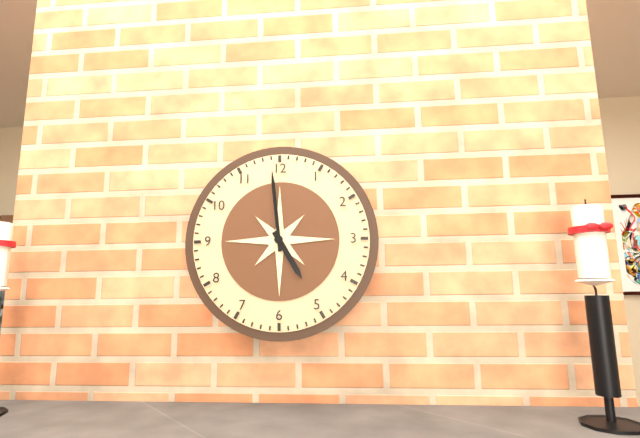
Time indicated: 4:59
